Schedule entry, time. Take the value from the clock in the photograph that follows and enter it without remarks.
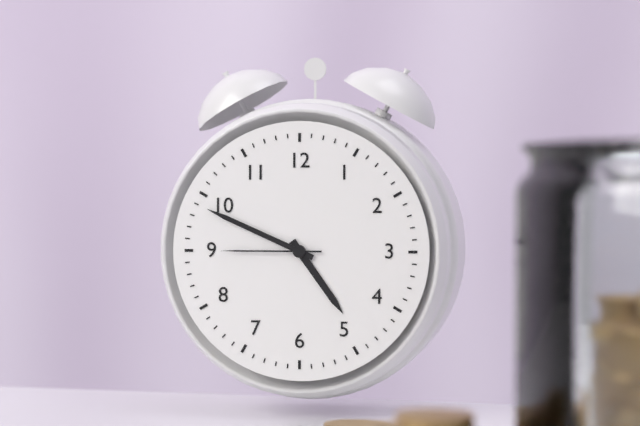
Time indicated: 4:49:45
